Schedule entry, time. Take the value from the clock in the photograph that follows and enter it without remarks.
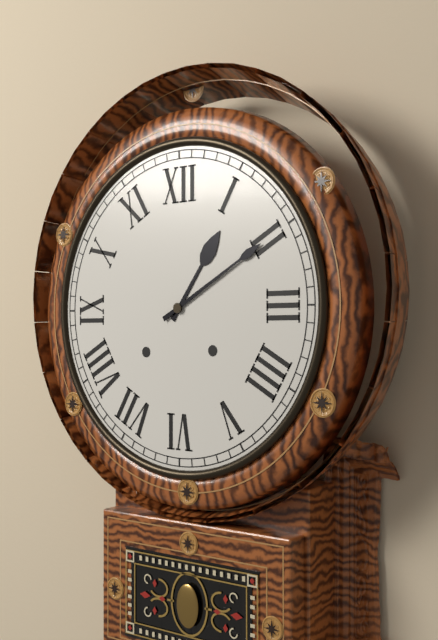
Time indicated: 1:10
